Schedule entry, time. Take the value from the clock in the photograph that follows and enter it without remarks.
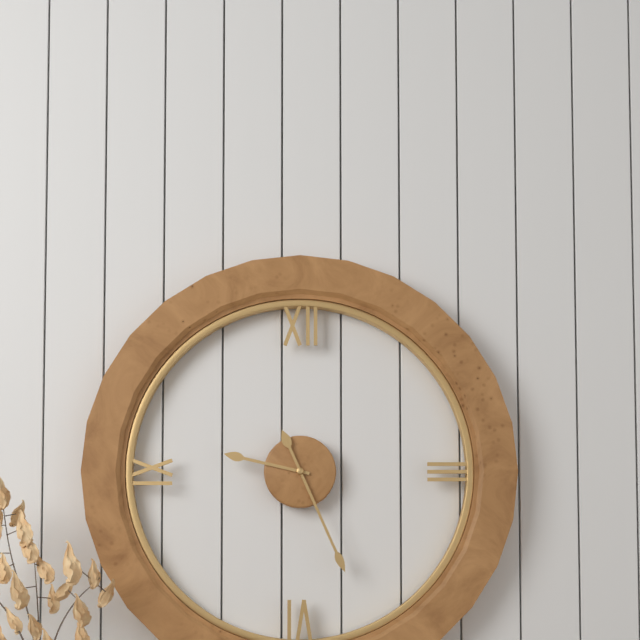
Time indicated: 9:26
